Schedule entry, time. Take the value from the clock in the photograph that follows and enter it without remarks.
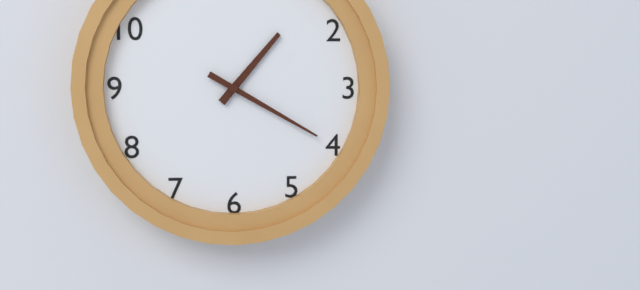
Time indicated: 1:20
